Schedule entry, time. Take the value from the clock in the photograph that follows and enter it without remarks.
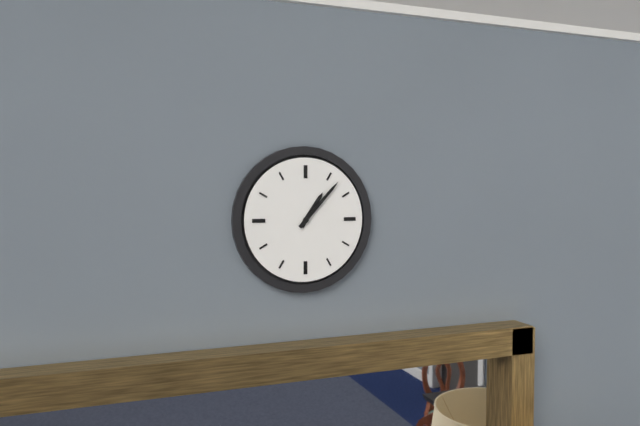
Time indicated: 1:07
